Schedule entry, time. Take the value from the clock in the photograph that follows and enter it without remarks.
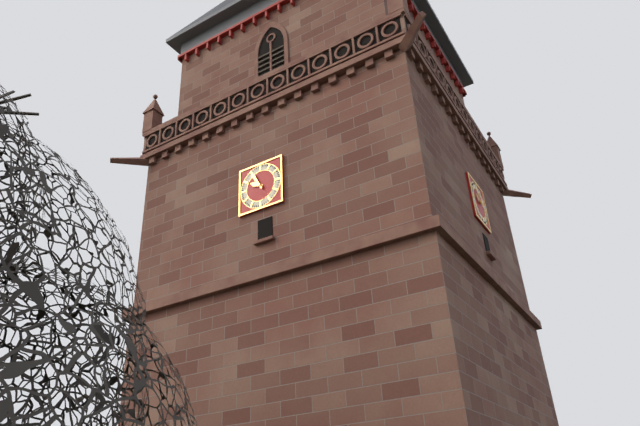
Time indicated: 9:55
